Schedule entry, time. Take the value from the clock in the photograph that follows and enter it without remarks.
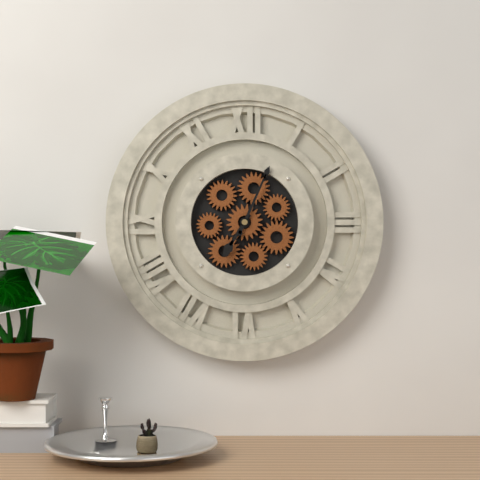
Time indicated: 7:04
